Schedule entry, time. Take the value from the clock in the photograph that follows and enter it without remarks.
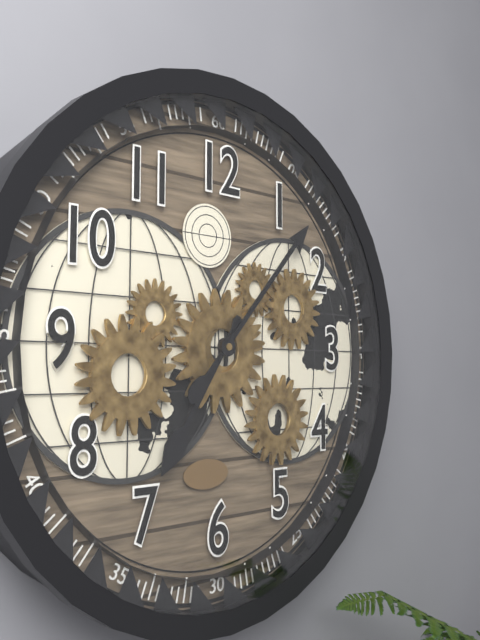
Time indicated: 7:07
